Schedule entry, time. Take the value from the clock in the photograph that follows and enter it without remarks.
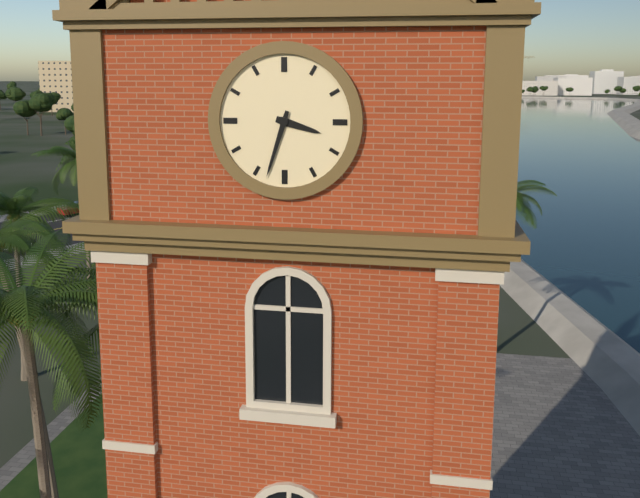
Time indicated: 3:33
